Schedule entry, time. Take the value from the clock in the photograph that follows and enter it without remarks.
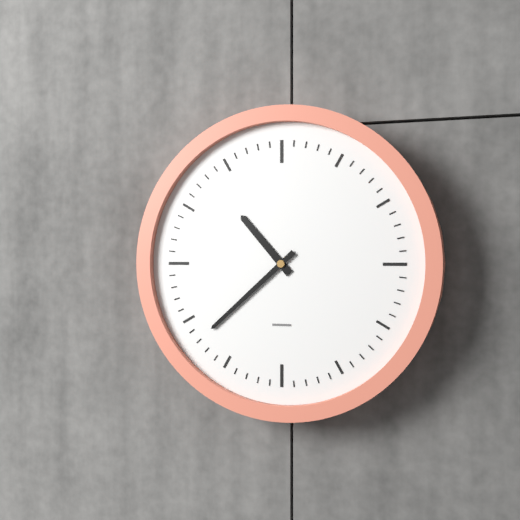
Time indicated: 10:38
